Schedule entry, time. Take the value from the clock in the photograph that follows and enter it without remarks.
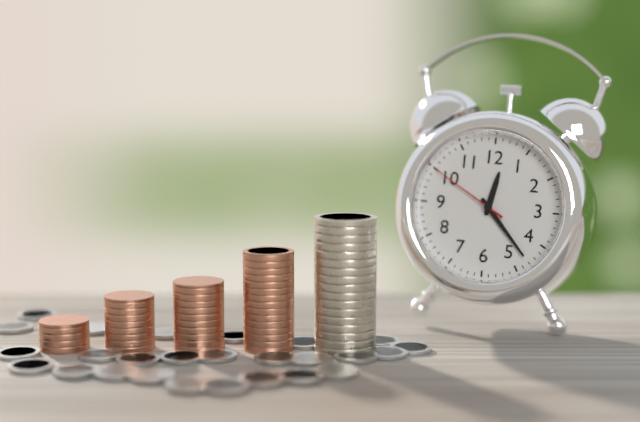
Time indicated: 12:23:50
